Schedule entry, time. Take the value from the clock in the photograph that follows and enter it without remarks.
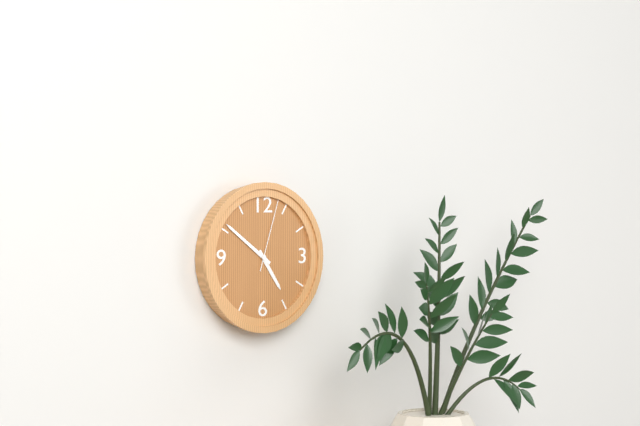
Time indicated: 4:51:03
